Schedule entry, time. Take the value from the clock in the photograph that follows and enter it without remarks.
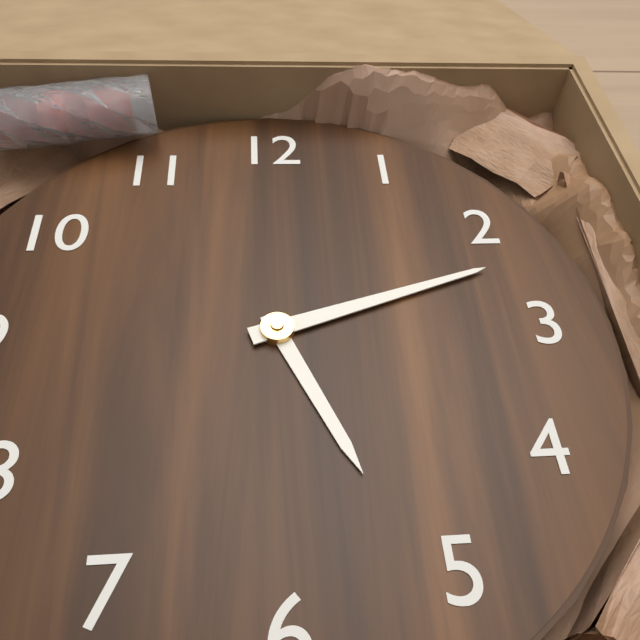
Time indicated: 5:12
